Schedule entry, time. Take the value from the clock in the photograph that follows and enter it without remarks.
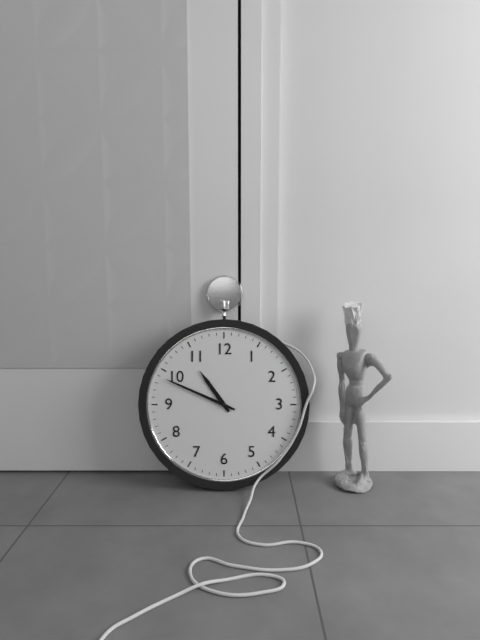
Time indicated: 10:49
